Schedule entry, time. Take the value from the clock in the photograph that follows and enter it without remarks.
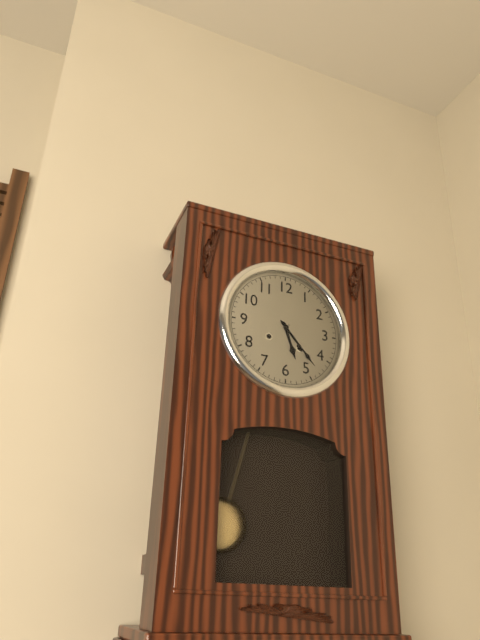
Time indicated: 5:23
